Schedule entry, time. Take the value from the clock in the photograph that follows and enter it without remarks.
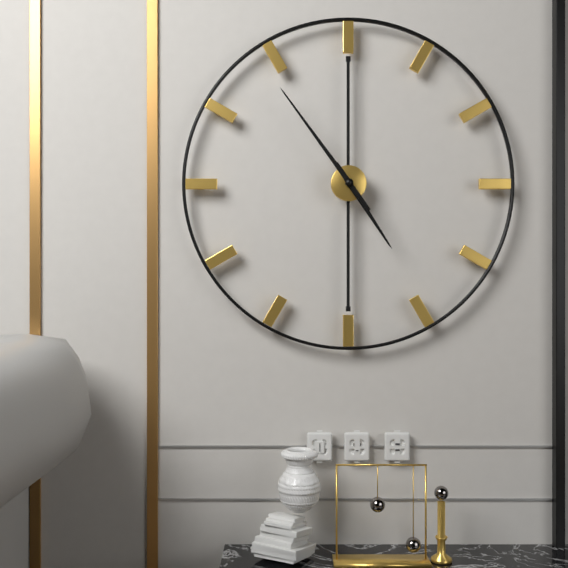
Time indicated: 4:54
